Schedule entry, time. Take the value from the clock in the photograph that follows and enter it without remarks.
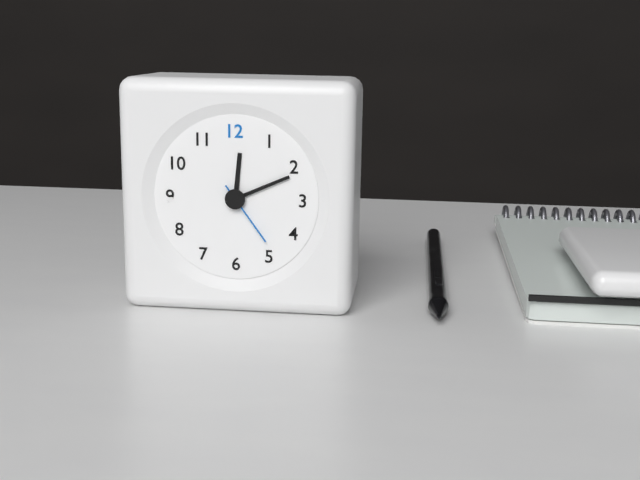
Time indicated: 12:11:24
